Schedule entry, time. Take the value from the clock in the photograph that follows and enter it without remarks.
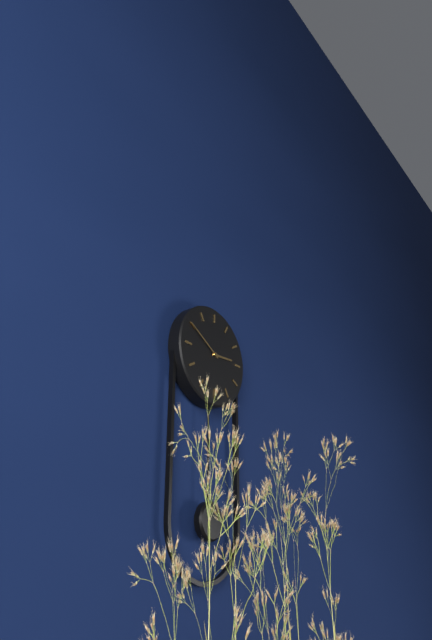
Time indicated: 2:50
